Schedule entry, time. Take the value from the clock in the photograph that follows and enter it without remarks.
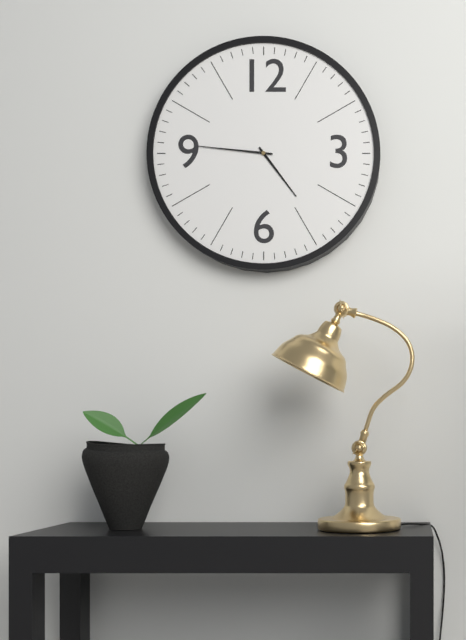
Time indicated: 4:46
